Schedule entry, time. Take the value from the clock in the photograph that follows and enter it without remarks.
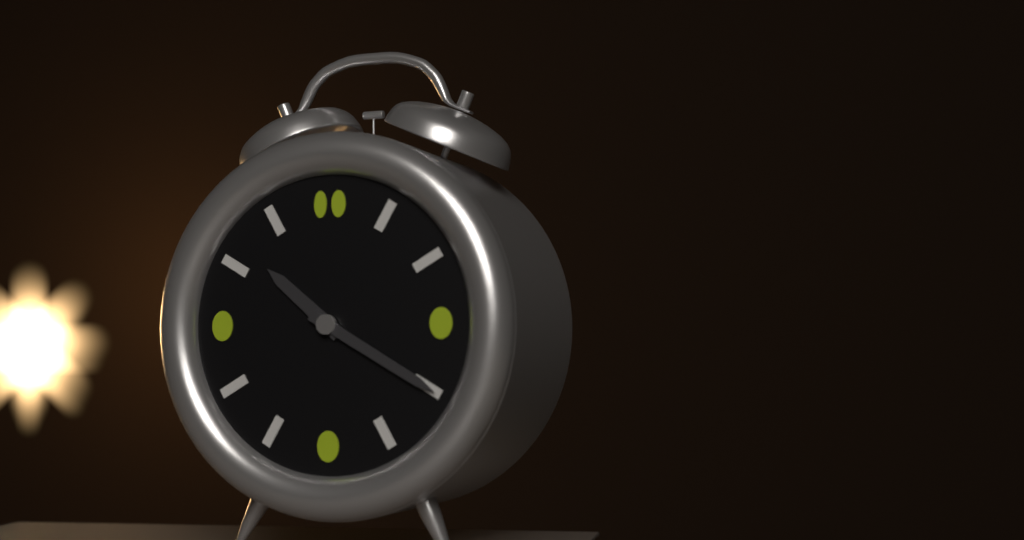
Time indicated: 10:20
